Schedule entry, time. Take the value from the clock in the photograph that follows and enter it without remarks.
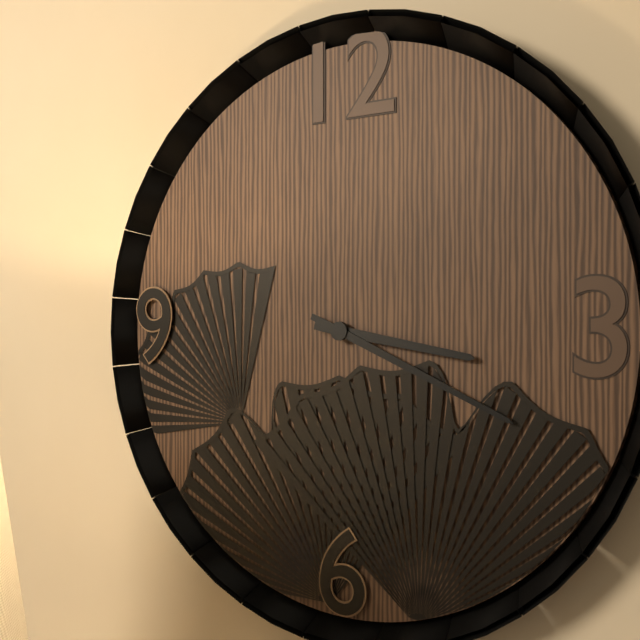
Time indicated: 3:19
